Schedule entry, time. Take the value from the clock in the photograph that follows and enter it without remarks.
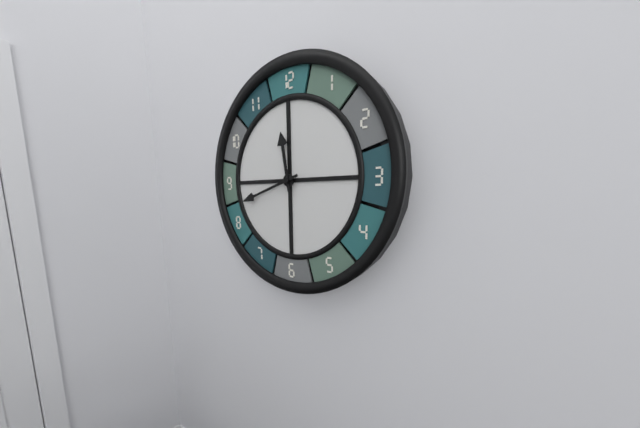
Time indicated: 11:42
